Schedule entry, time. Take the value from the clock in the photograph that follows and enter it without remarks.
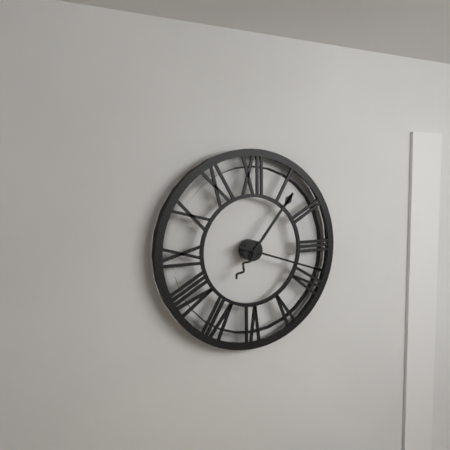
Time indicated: 1:18
